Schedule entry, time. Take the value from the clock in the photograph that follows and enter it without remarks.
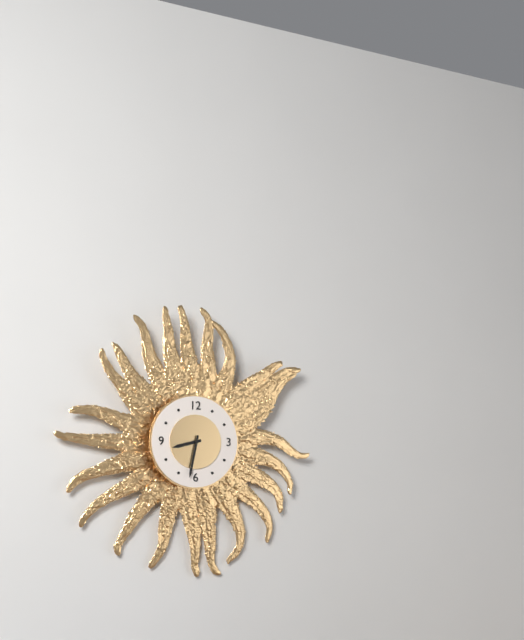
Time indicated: 8:32
